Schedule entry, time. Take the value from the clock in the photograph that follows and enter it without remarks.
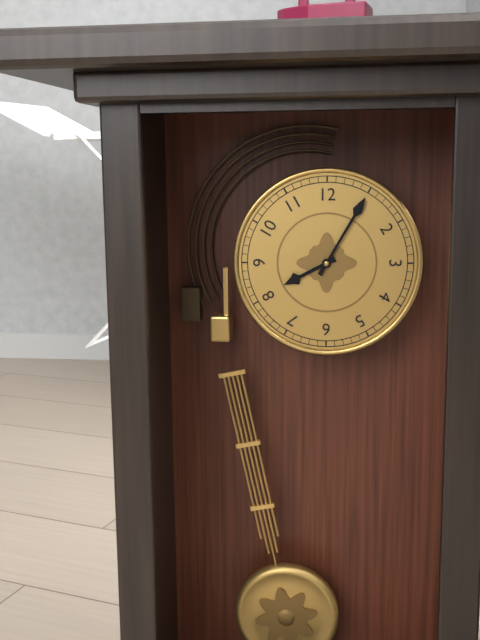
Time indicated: 8:05
